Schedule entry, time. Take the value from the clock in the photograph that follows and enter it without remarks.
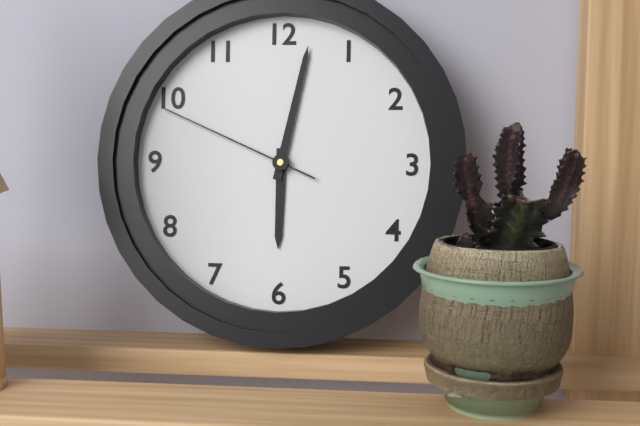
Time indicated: 6:02:49
